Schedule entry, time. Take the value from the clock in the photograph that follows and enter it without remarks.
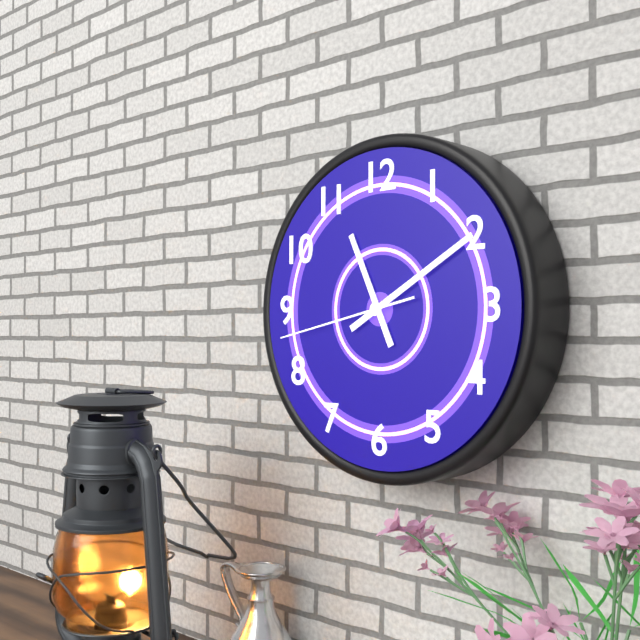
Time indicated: 11:10:43
